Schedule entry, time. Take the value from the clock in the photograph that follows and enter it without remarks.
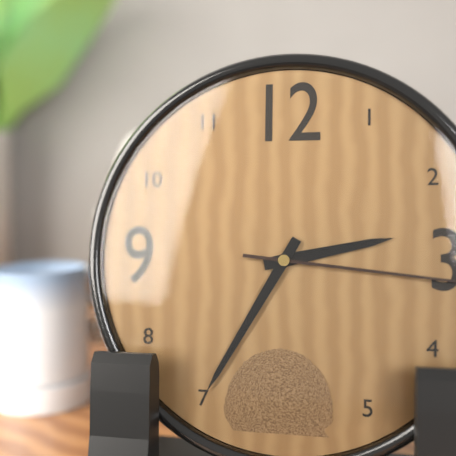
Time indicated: 2:35
